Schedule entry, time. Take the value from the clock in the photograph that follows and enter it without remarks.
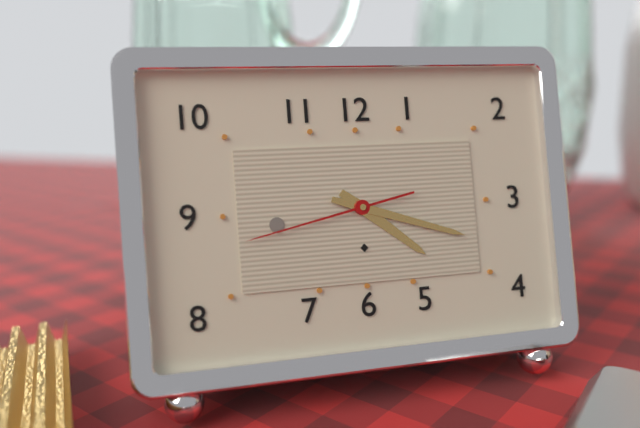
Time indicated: 4:18:43
